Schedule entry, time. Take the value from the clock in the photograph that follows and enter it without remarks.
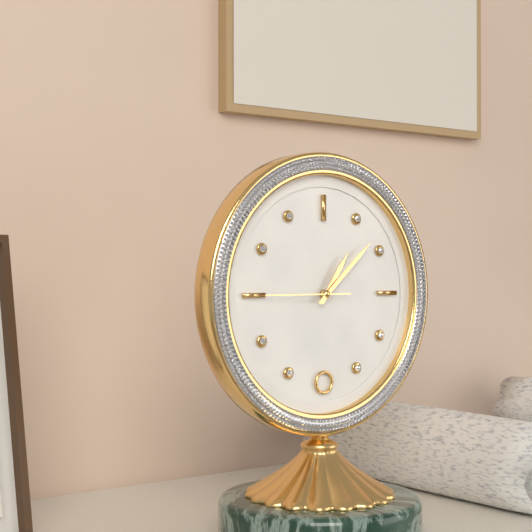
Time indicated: 1:08:45
